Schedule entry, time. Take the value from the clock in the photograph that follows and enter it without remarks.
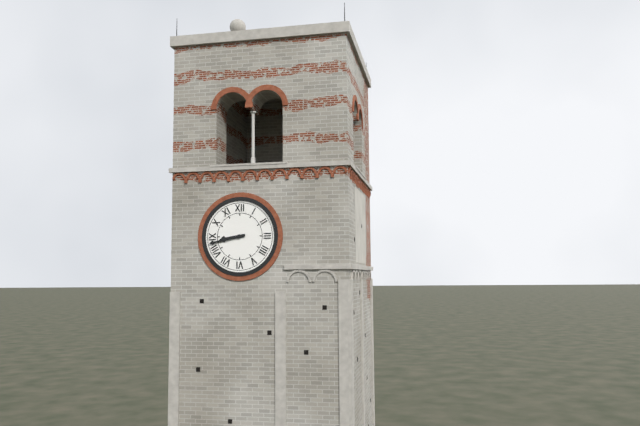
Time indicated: 8:43
